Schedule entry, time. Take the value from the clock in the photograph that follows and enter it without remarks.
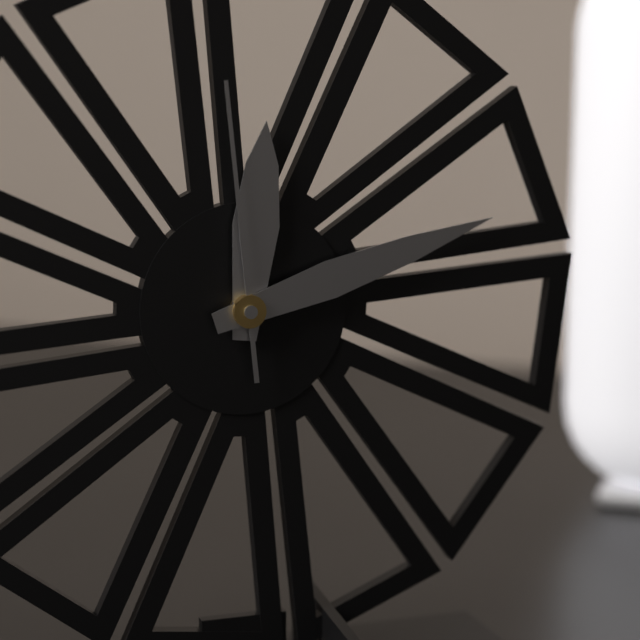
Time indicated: 12:12:59
